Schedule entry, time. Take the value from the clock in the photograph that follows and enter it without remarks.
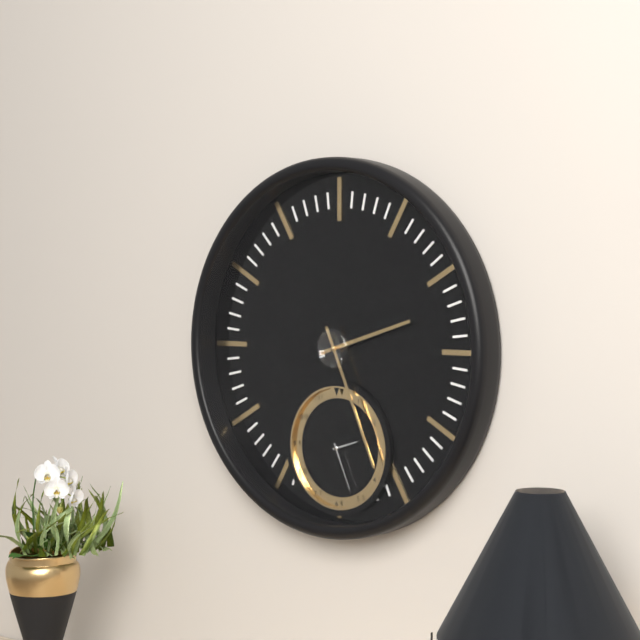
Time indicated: 2:26
